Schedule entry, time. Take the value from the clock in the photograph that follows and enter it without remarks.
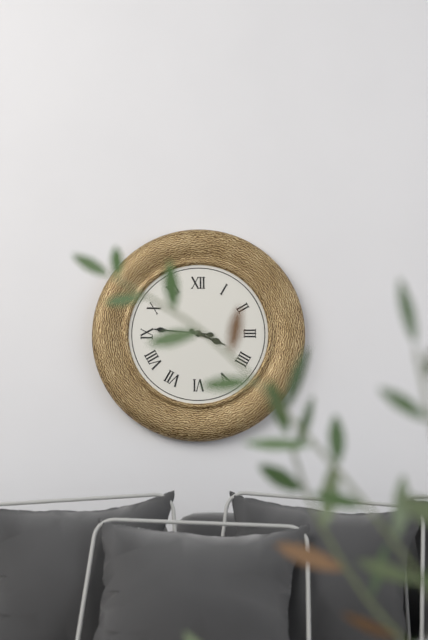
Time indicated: 3:46
